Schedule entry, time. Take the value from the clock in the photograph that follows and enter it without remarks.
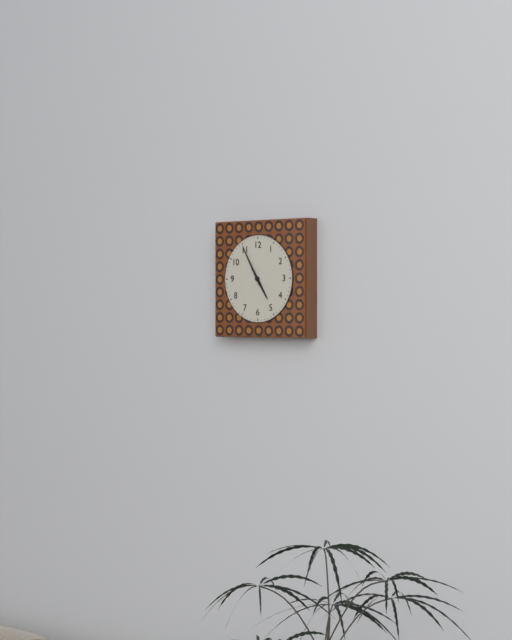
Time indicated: 4:55
